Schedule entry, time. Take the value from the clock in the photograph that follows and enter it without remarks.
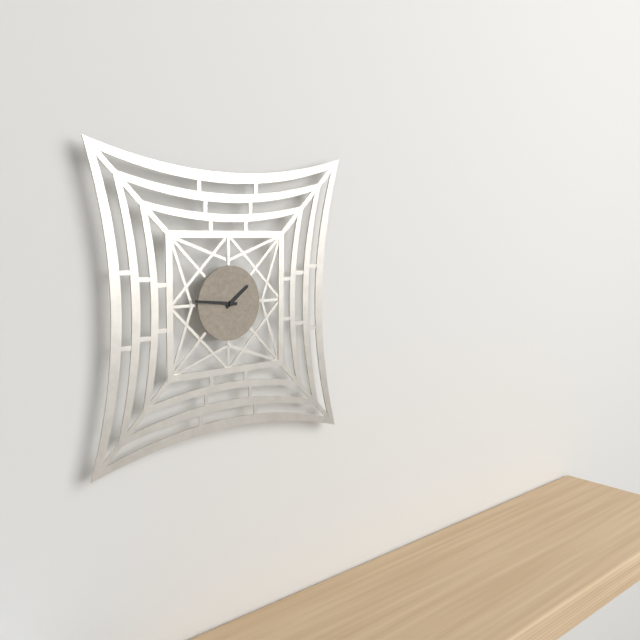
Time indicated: 1:46
